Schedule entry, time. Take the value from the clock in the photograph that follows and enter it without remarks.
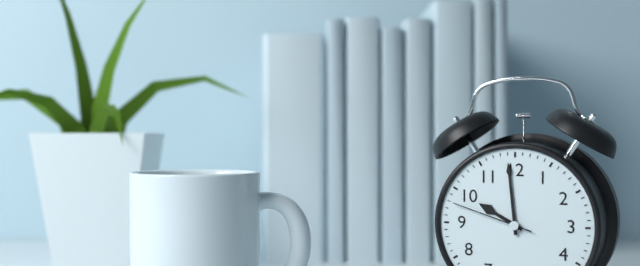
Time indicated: 9:59:48
